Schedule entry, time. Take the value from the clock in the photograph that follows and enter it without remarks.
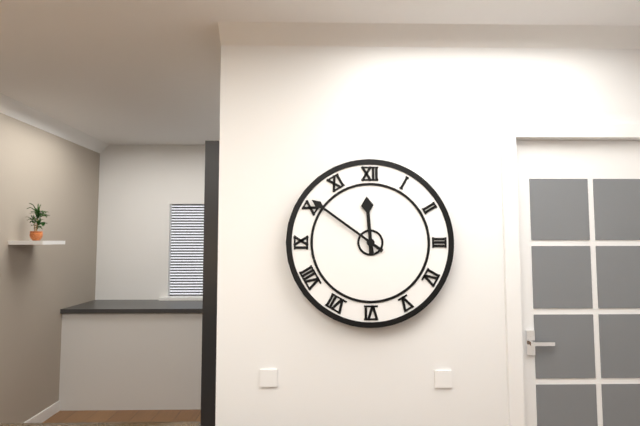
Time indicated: 11:51
